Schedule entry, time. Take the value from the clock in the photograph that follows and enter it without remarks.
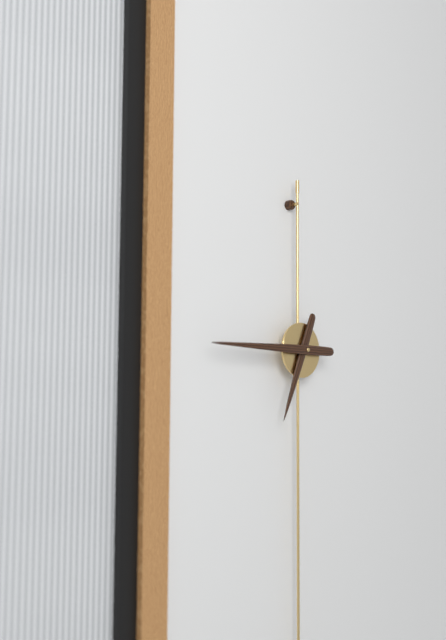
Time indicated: 6:45
